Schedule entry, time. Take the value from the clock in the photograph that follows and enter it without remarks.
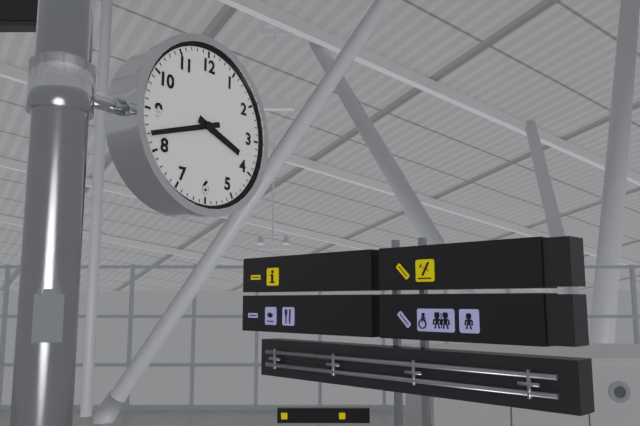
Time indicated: 3:42
